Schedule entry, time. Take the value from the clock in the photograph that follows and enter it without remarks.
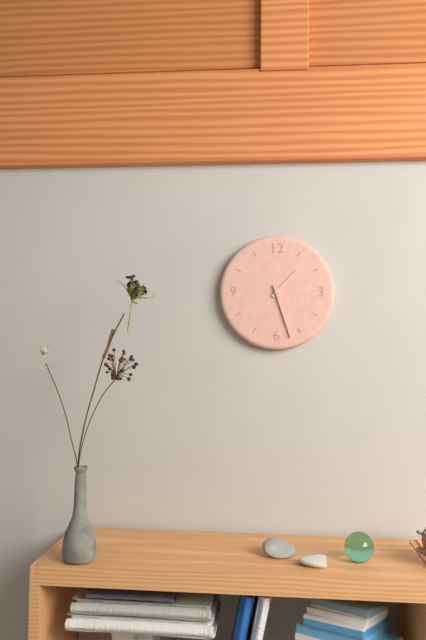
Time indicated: 1:27
